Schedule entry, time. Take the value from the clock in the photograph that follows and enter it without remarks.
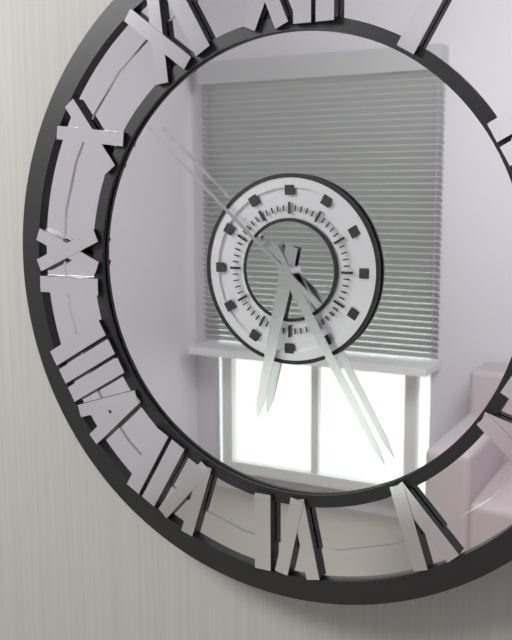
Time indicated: 6:25:52
